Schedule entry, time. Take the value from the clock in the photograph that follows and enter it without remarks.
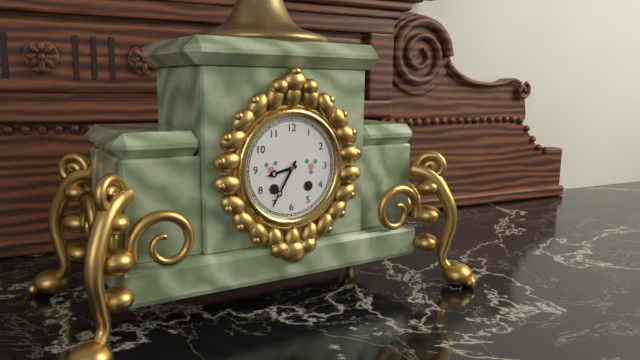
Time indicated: 8:35
